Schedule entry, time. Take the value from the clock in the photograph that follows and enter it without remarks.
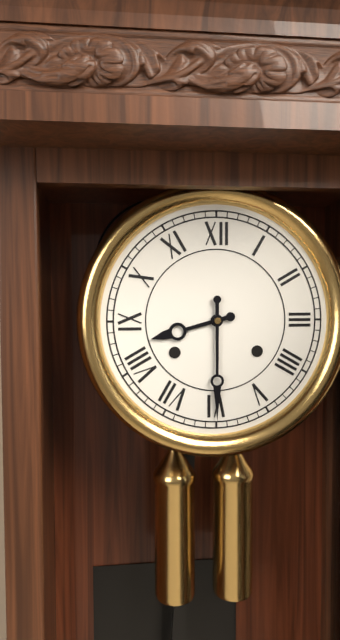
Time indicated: 8:30
